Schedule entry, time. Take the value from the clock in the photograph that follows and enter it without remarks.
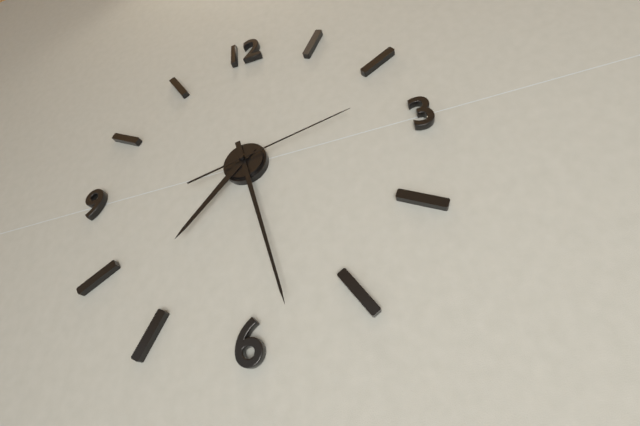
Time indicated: 7:28:13
